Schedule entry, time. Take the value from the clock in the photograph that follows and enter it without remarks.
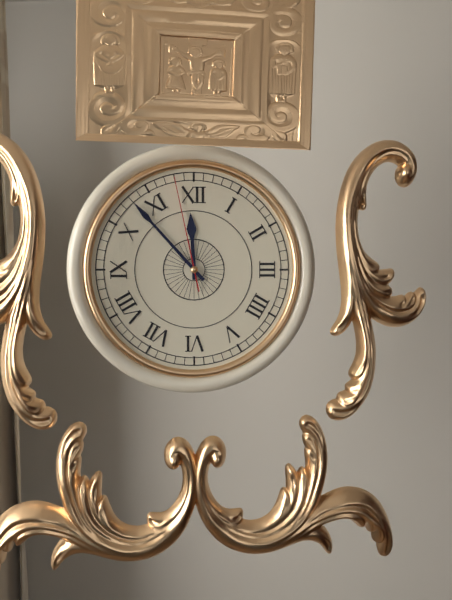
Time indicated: 11:53:58
